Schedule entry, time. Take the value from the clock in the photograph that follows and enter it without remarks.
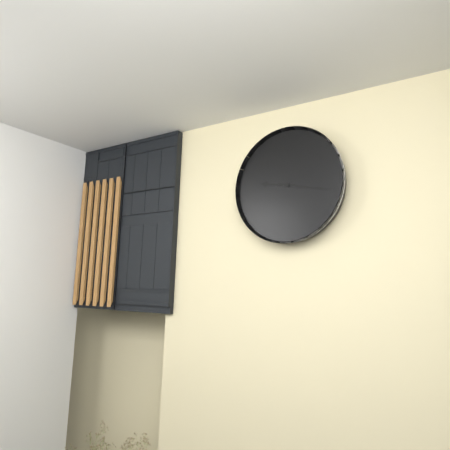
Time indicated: 9:17
